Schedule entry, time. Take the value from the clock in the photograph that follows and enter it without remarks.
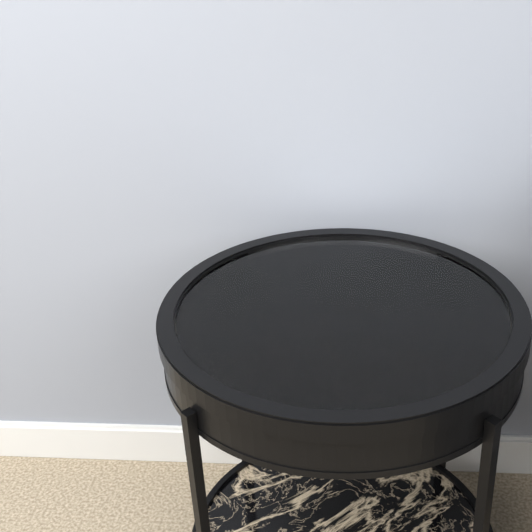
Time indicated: 7:14
